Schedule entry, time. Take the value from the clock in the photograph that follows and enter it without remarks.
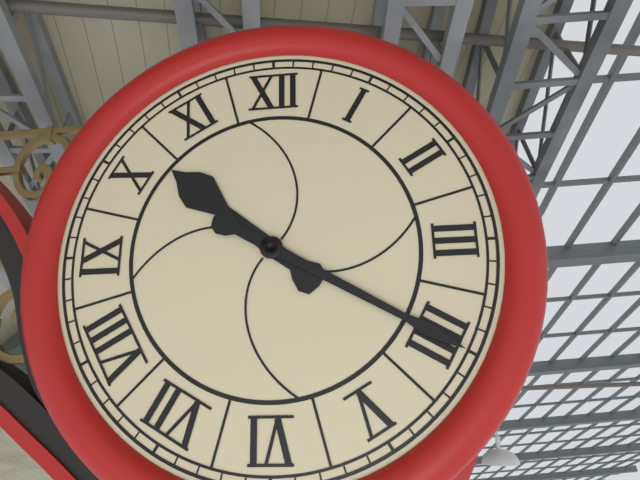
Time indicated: 10:20
